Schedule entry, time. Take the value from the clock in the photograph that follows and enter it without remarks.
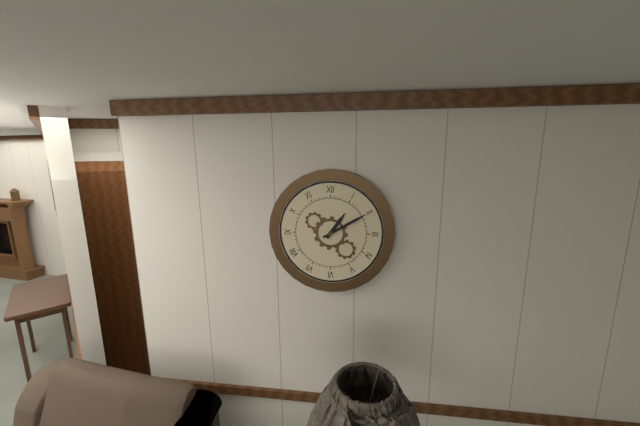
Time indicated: 1:10
